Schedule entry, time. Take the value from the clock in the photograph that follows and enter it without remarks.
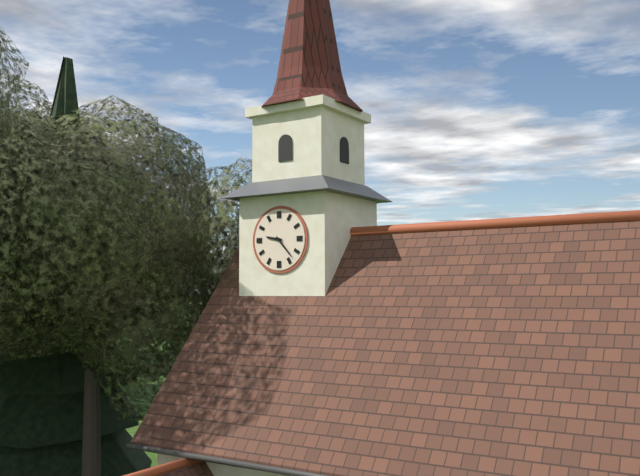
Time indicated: 9:23
